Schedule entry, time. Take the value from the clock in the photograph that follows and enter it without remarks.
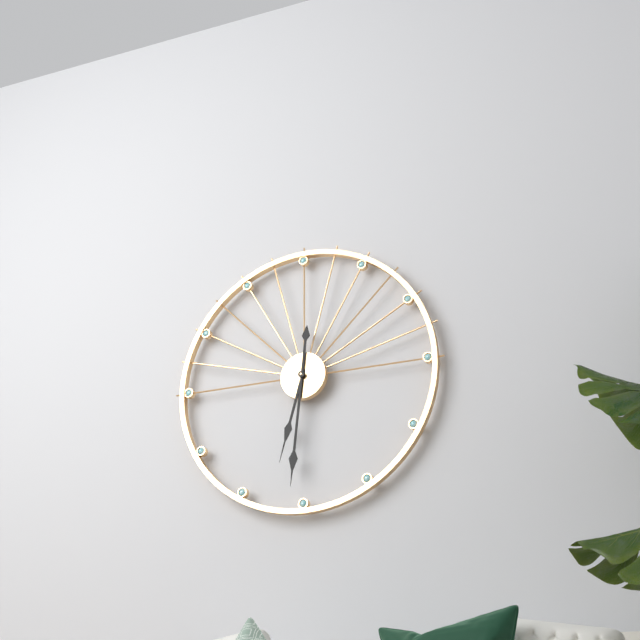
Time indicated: 6:31
